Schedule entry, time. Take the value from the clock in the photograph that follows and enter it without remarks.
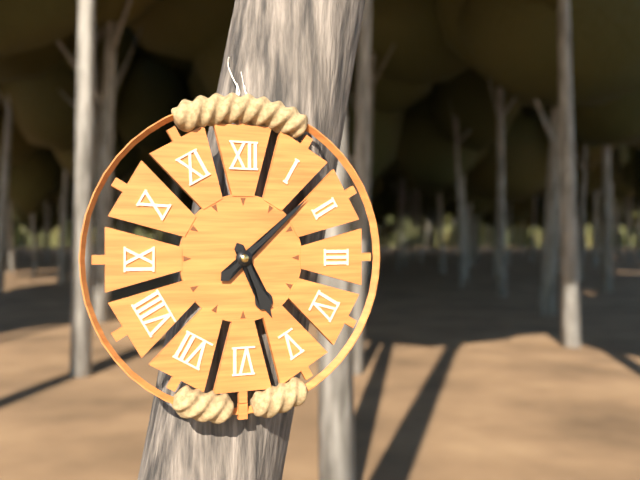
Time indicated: 5:08
